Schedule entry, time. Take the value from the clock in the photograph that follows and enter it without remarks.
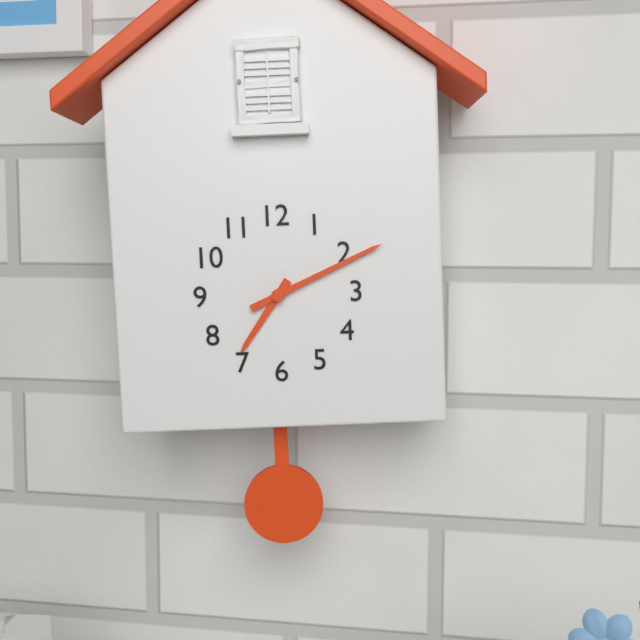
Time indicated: 7:11
